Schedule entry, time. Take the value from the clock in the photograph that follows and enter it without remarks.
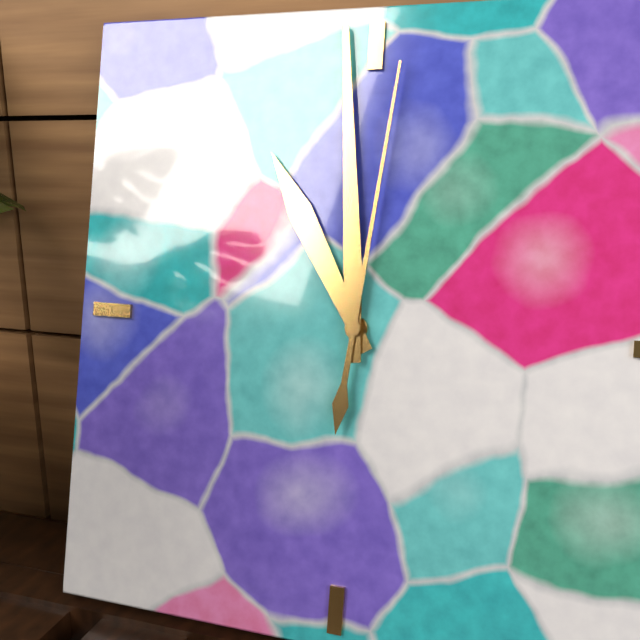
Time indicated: 10:59:01
